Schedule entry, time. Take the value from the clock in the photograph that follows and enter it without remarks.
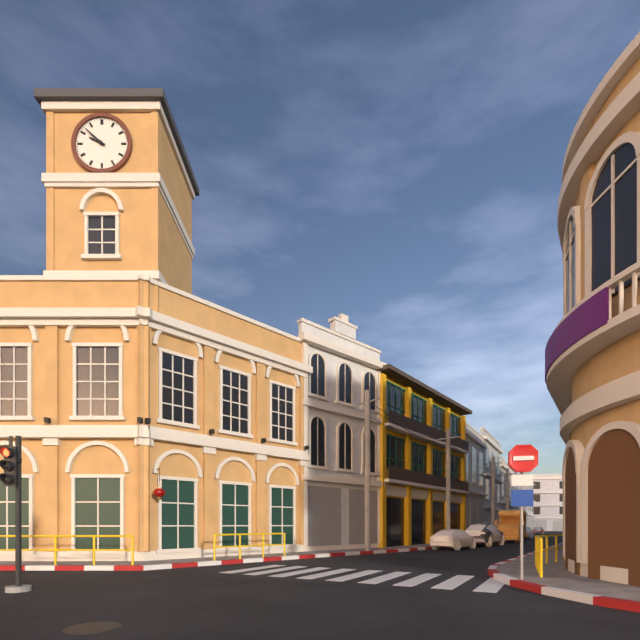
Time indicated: 9:52
